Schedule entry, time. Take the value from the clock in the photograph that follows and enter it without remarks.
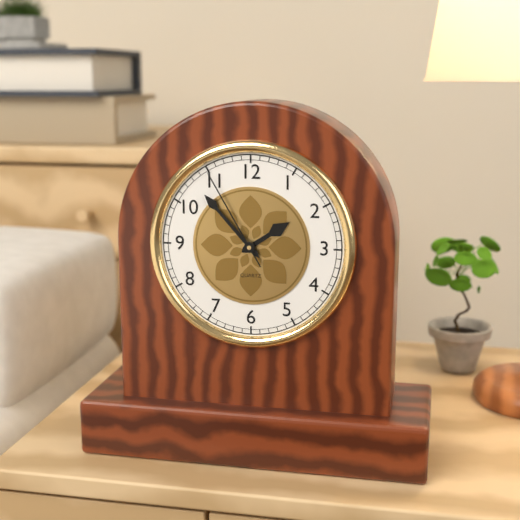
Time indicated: 1:53:55
